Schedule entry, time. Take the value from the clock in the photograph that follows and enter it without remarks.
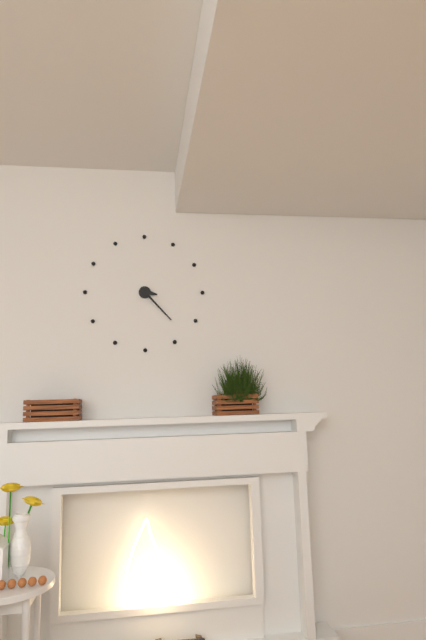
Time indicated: 3:23
